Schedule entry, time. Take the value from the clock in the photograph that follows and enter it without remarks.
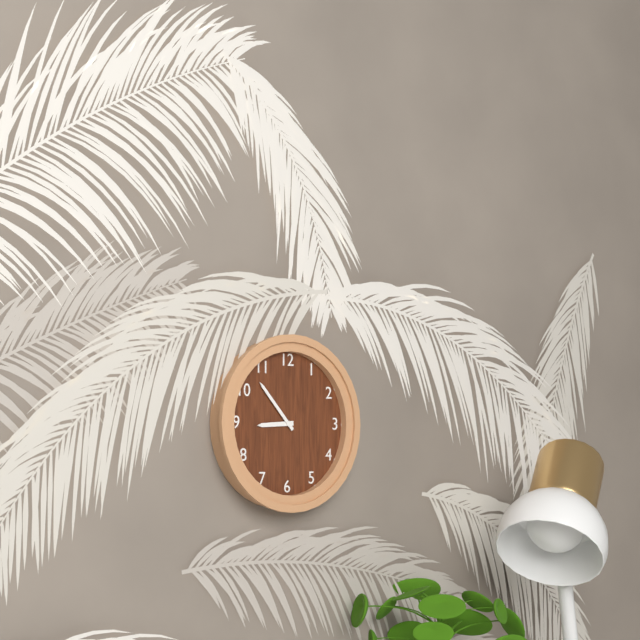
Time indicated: 8:53
